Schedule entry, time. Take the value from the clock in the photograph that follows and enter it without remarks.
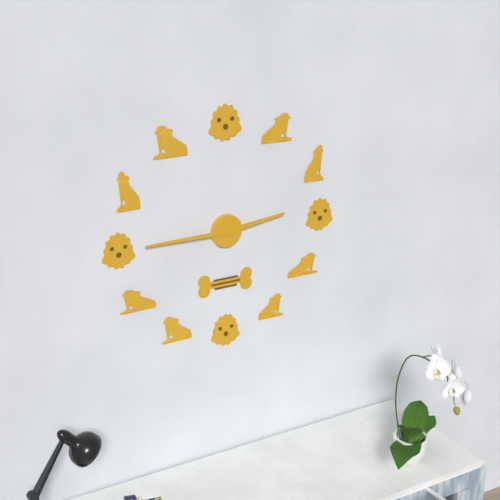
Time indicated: 2:45
